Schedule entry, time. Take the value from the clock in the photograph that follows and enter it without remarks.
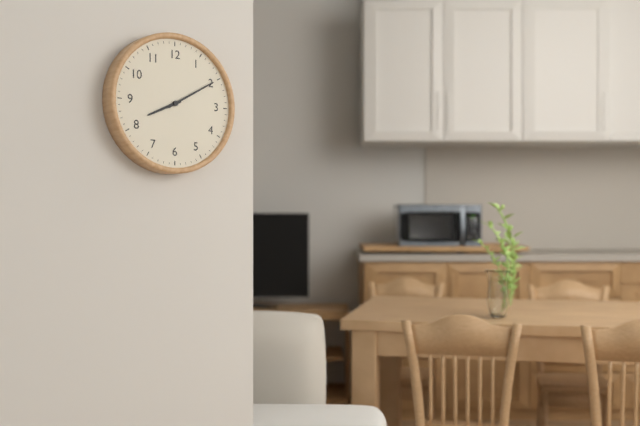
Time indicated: 8:10
